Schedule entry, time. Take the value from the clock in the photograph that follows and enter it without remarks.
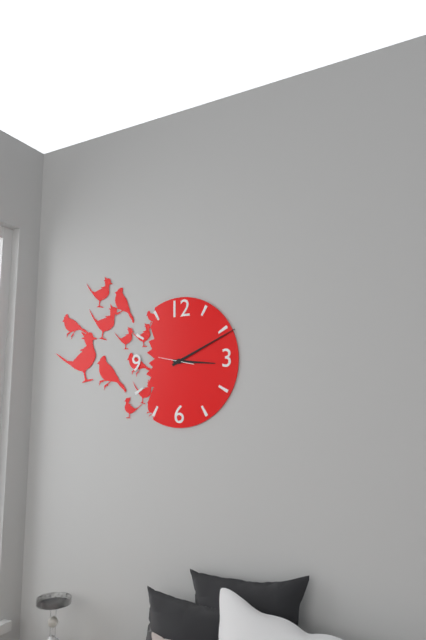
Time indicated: 3:11
